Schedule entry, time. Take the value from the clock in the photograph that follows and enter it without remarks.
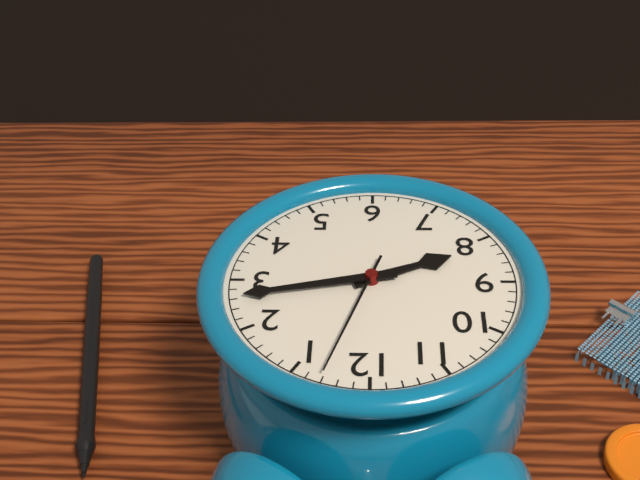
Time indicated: 8:13:03
